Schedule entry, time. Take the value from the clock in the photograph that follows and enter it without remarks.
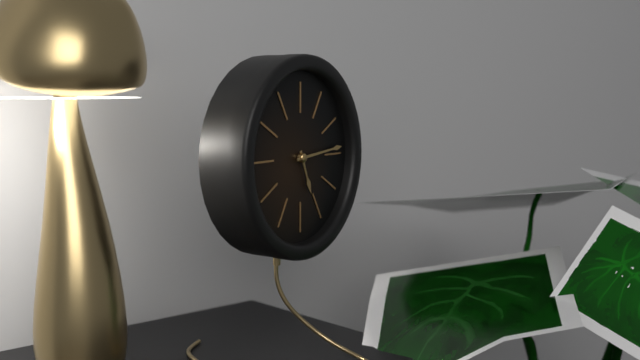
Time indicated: 5:14
